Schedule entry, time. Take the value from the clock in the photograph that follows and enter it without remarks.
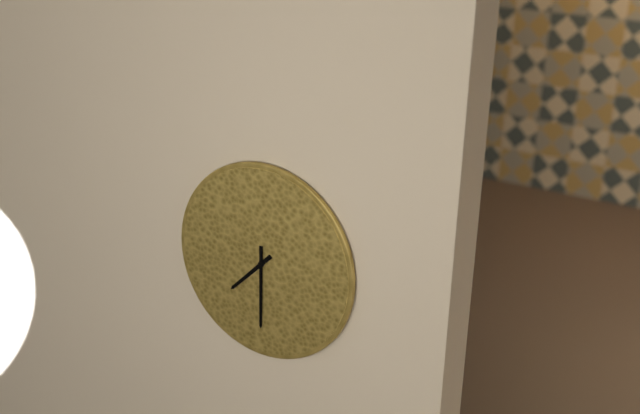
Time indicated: 7:30
